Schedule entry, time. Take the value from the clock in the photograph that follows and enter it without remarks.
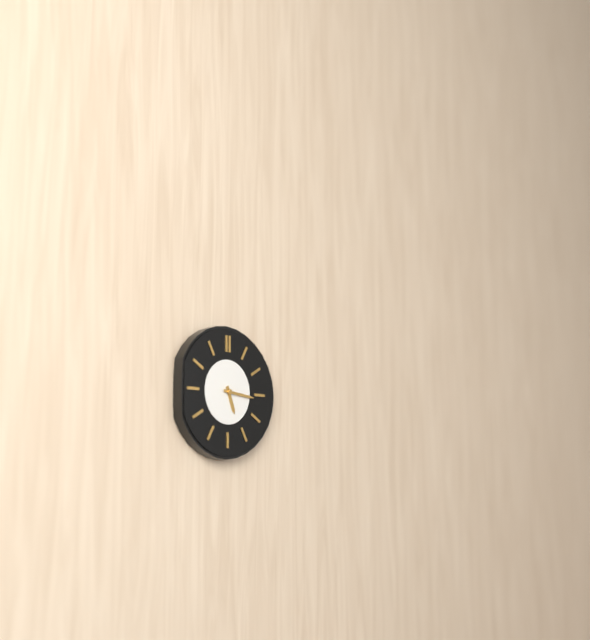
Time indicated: 5:16
